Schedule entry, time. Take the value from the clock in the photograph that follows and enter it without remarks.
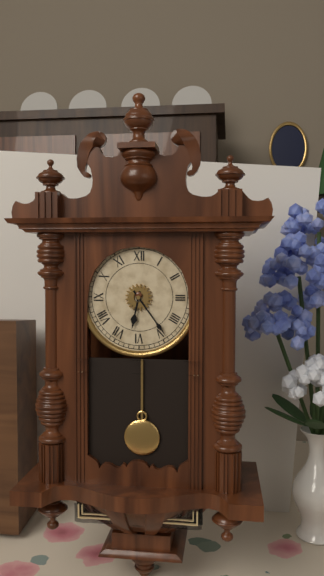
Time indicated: 6:24
